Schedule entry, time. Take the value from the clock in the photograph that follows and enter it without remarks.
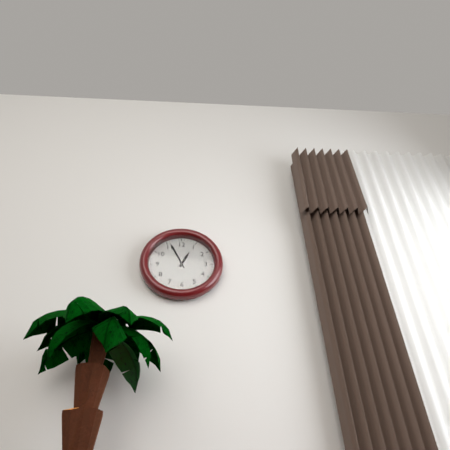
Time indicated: 12:56
